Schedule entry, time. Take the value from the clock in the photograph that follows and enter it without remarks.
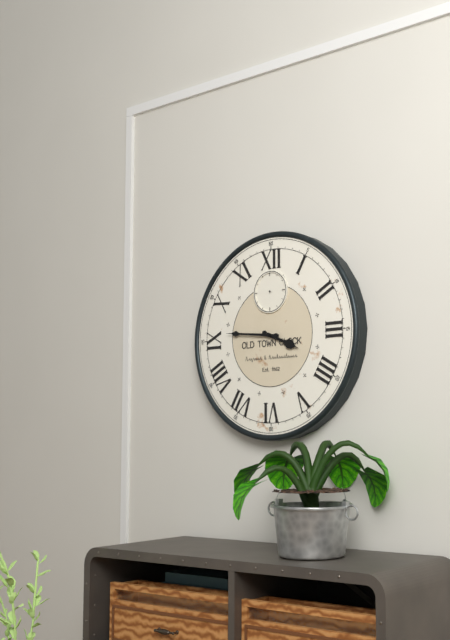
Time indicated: 3:46
